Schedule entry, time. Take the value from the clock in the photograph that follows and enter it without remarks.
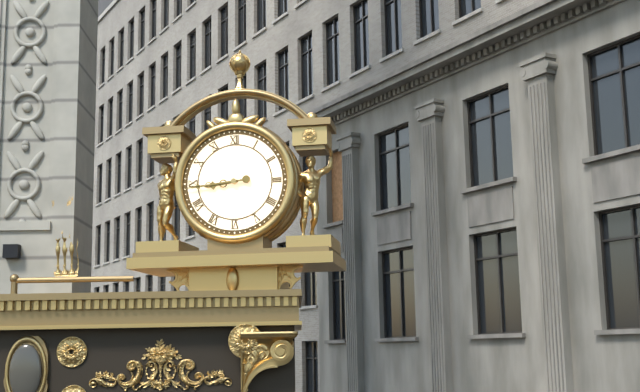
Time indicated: 8:44
